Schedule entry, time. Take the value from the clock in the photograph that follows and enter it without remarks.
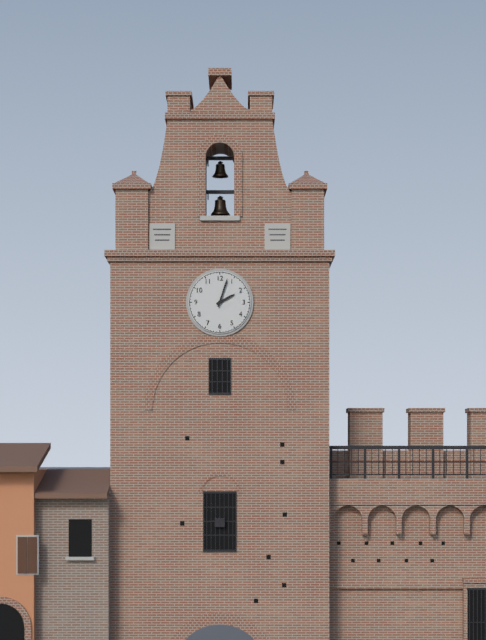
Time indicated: 2:03
